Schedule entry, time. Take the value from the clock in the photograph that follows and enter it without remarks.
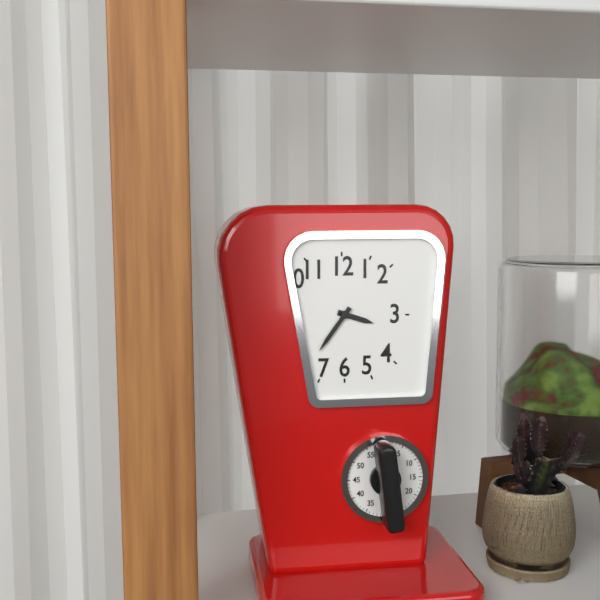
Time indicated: 3:36
